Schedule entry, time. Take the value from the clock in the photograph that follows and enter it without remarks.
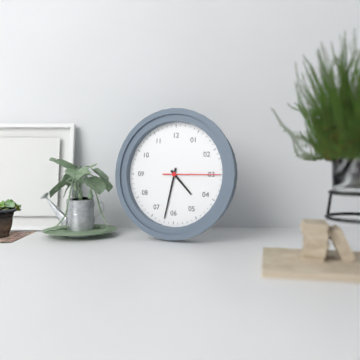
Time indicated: 4:32:15
